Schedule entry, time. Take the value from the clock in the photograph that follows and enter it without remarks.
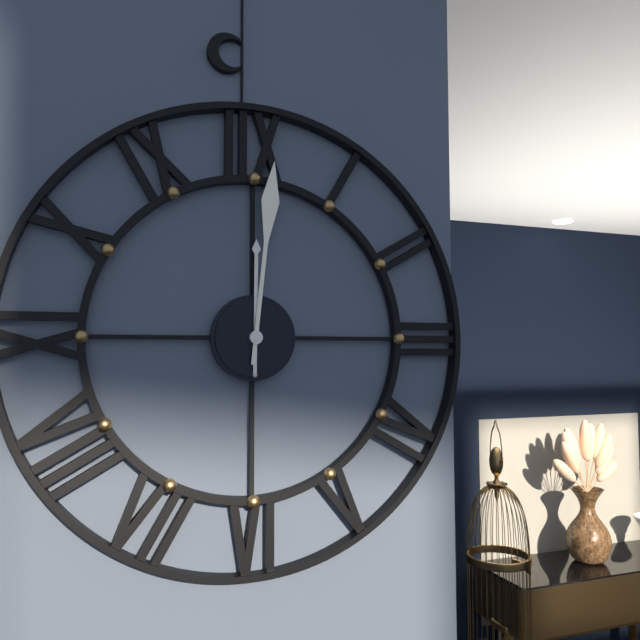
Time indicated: 12:01
